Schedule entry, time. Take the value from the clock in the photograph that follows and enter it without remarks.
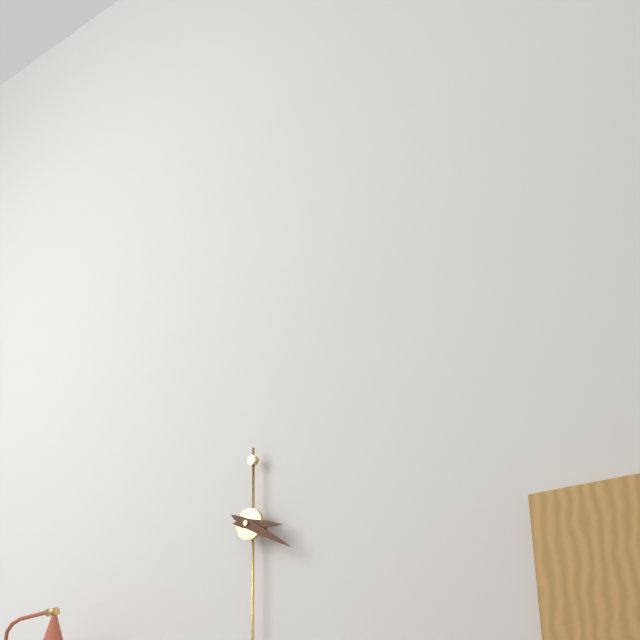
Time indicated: 3:20
